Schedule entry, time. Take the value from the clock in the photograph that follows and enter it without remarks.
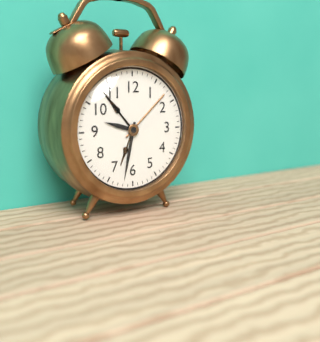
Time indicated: 9:32
